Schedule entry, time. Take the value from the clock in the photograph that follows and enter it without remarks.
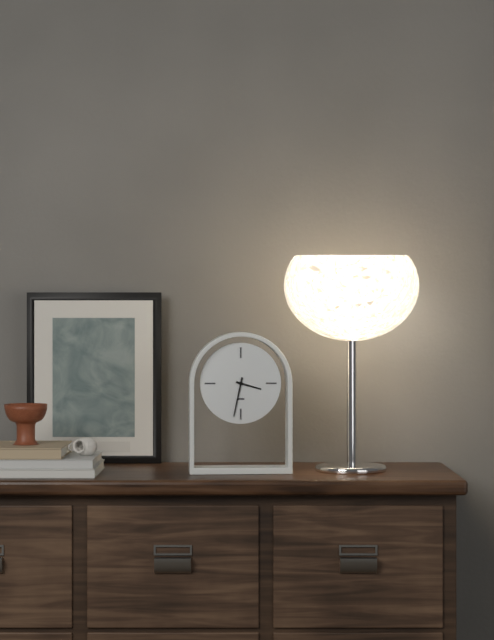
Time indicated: 3:32
